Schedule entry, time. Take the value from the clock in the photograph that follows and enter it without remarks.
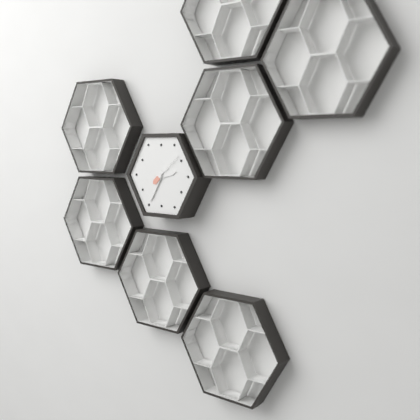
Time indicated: 2:35
